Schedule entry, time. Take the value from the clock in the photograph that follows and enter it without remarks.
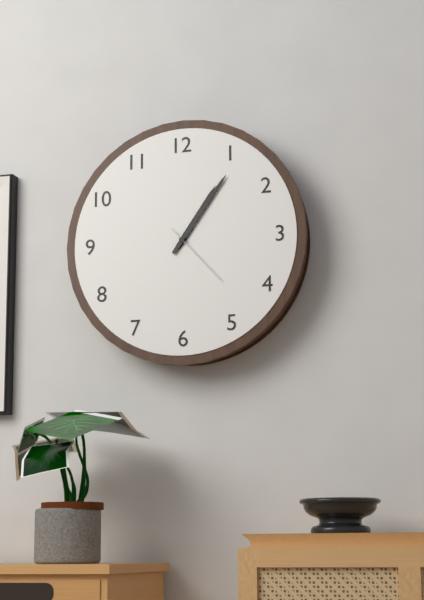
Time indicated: 1:06:23
